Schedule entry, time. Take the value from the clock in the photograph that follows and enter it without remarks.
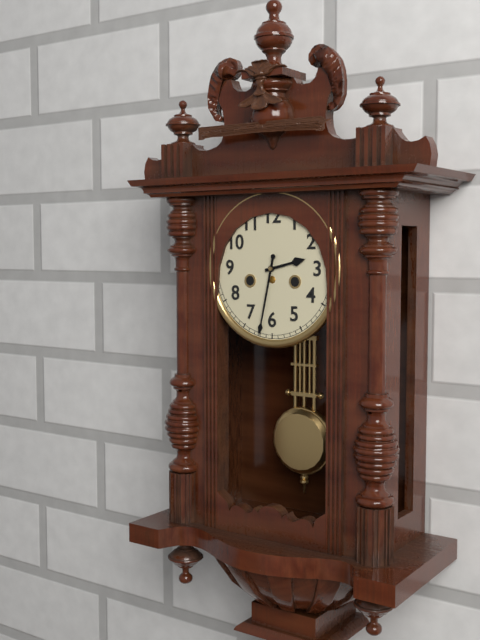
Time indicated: 2:32
